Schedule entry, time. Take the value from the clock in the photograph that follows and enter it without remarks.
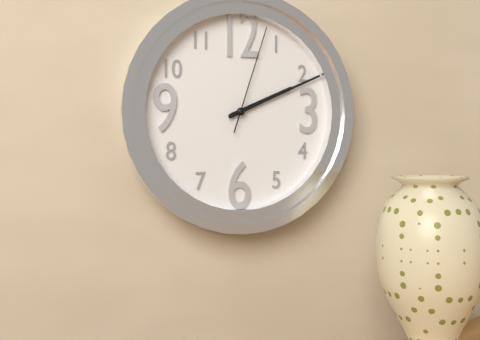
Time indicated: 2:11:03
